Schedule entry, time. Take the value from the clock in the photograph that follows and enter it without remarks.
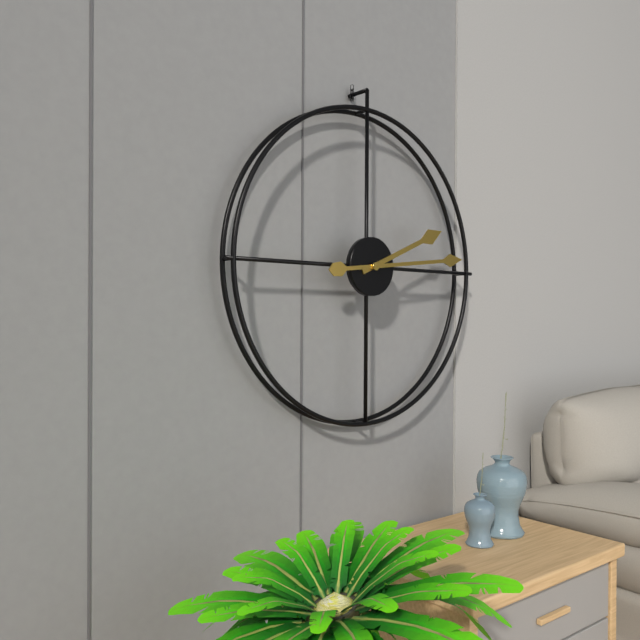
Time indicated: 2:14
